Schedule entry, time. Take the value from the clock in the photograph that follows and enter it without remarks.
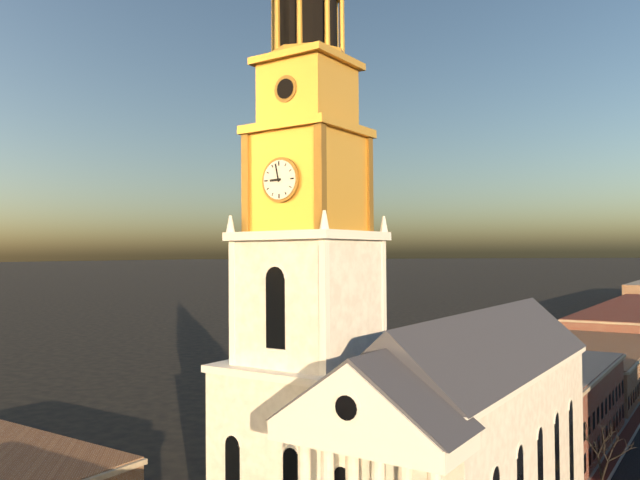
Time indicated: 8:58
